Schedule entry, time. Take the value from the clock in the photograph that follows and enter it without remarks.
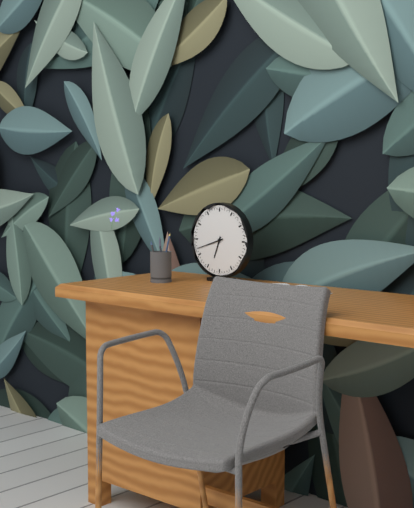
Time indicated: 6:42
